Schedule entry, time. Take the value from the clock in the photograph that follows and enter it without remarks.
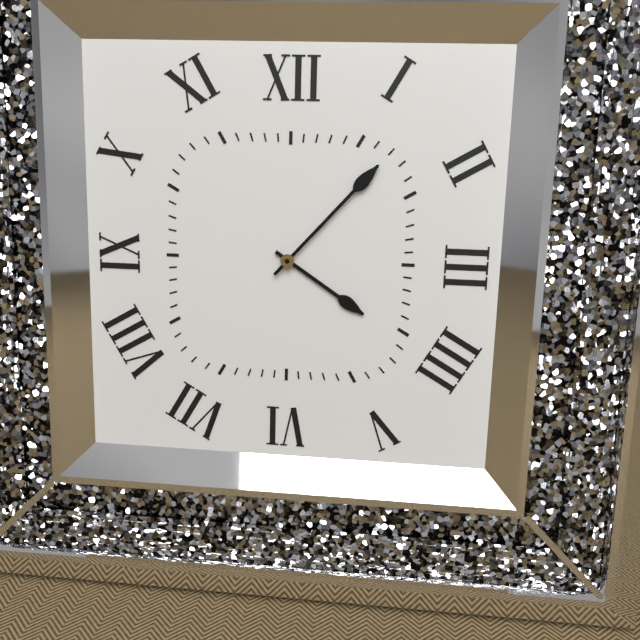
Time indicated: 4:07
